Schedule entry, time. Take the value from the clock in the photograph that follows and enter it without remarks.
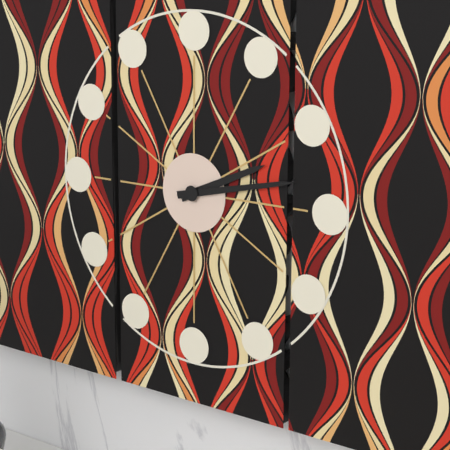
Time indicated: 2:13
